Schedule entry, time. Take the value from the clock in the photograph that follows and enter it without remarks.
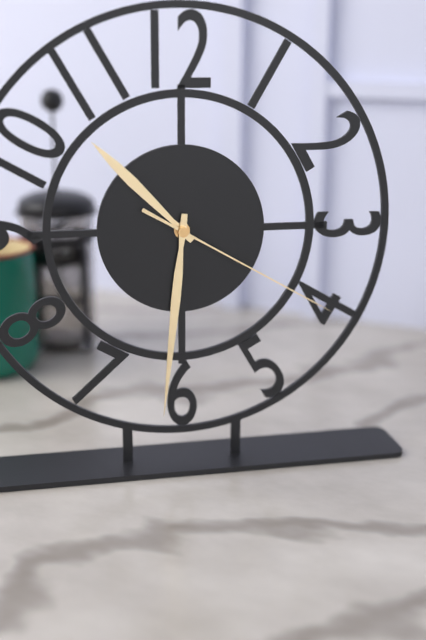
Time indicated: 10:31:20
